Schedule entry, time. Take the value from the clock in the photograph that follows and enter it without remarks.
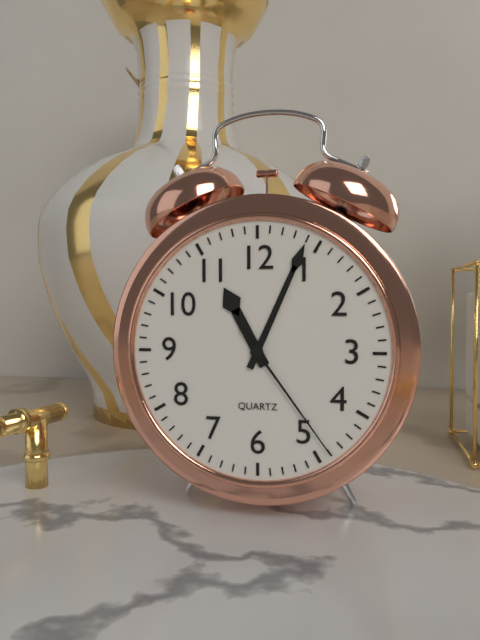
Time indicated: 11:04:24
